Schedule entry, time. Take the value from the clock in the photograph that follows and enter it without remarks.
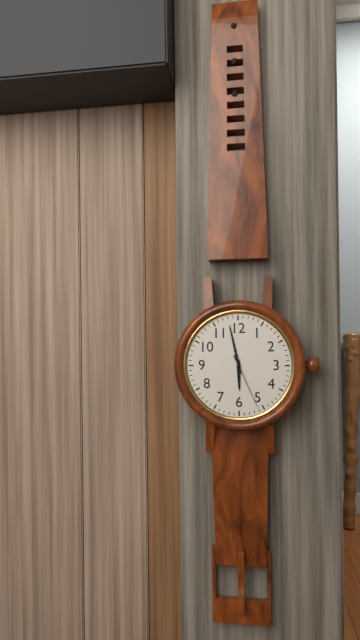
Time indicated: 5:58:26
